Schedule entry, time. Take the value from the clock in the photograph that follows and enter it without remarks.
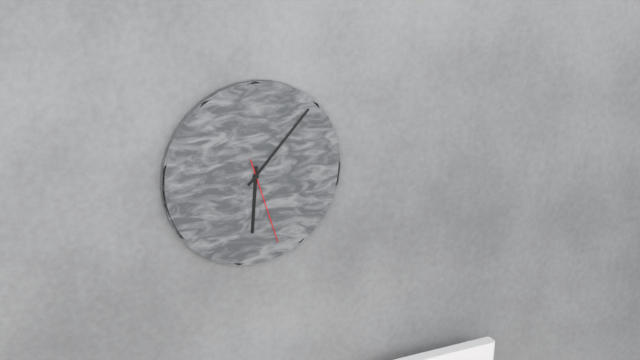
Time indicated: 6:07:27
